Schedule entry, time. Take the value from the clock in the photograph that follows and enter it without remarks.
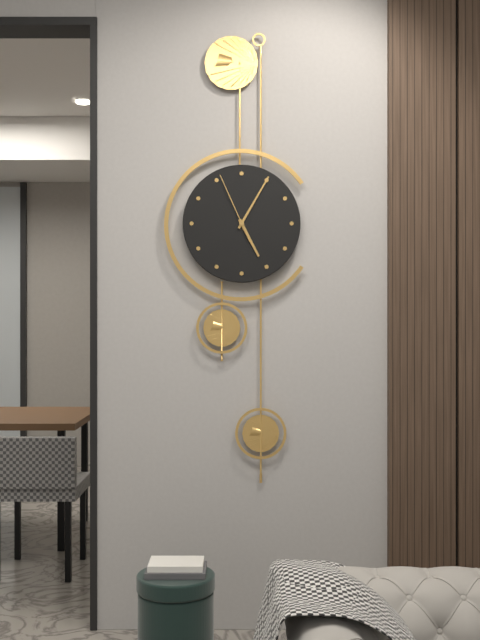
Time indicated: 5:05:56
